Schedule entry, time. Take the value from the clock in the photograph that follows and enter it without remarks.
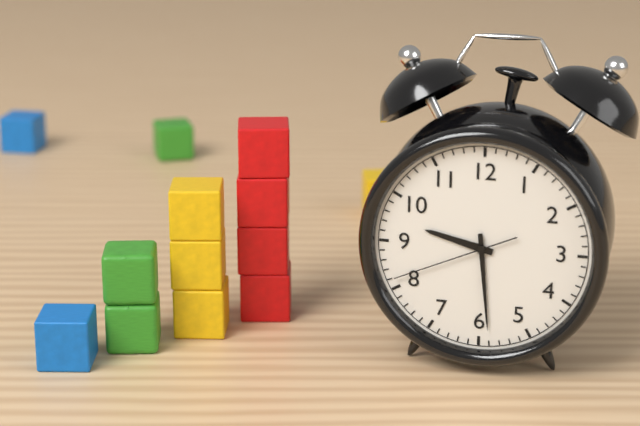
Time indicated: 9:29:41
